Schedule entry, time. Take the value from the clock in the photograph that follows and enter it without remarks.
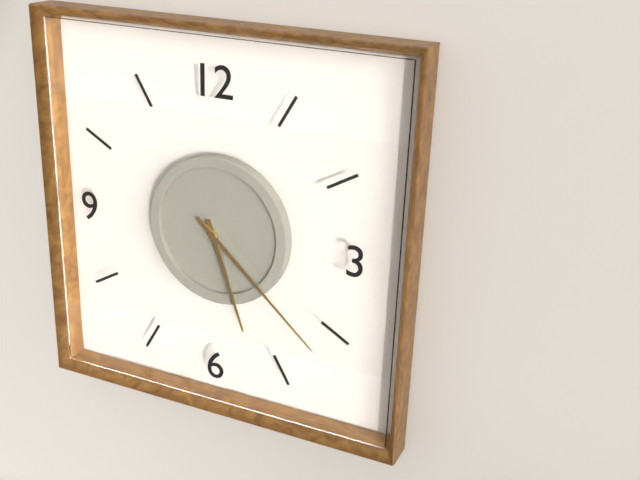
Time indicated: 5:22
